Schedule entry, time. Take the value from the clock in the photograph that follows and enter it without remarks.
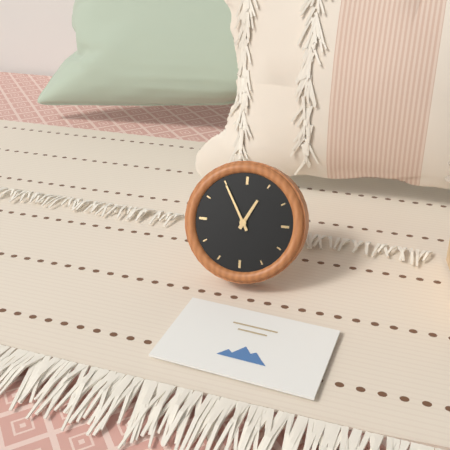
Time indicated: 12:55
